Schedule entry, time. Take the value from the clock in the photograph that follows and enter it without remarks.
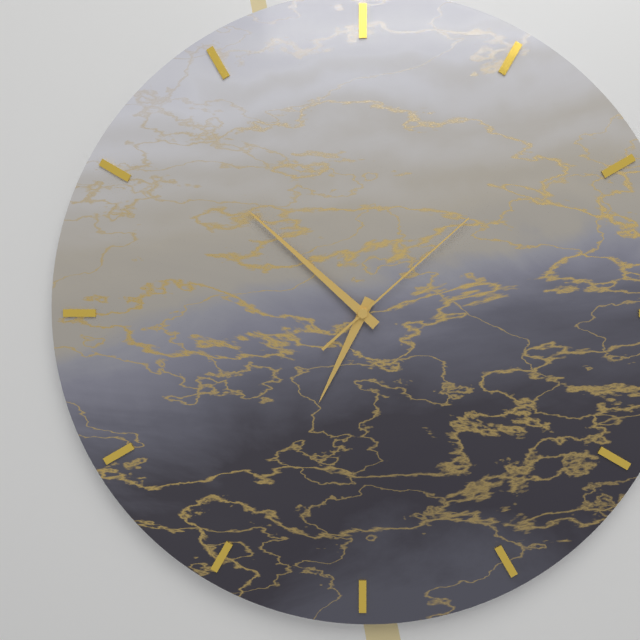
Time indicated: 6:52:08
